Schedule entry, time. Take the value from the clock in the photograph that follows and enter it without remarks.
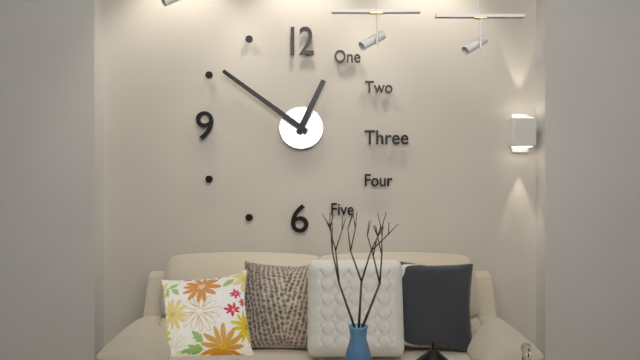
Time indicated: 12:51
